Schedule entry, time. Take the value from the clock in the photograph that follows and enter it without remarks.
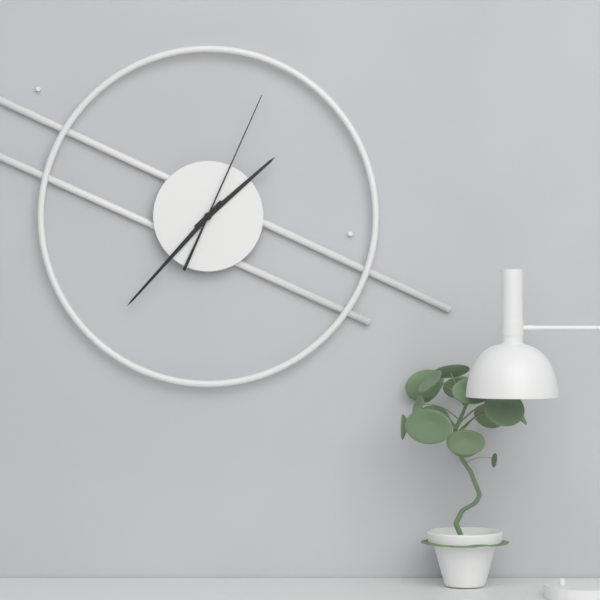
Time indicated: 1:37:04
